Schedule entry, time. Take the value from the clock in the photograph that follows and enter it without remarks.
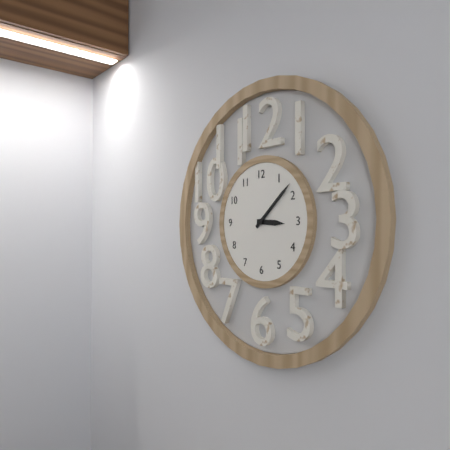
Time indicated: 3:08
